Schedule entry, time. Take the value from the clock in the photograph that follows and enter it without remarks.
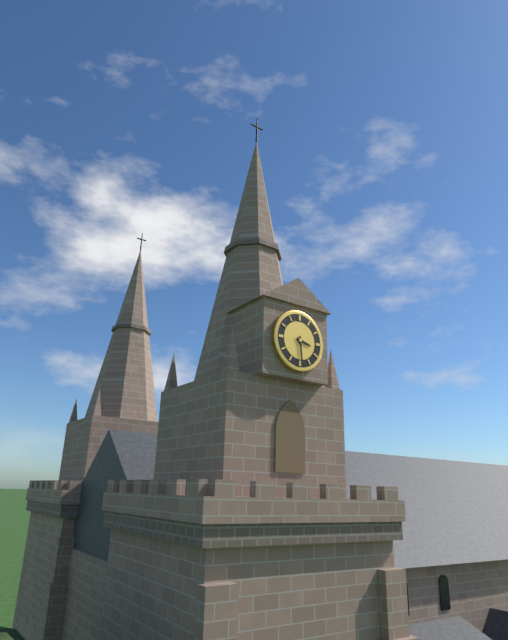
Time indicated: 3:29
